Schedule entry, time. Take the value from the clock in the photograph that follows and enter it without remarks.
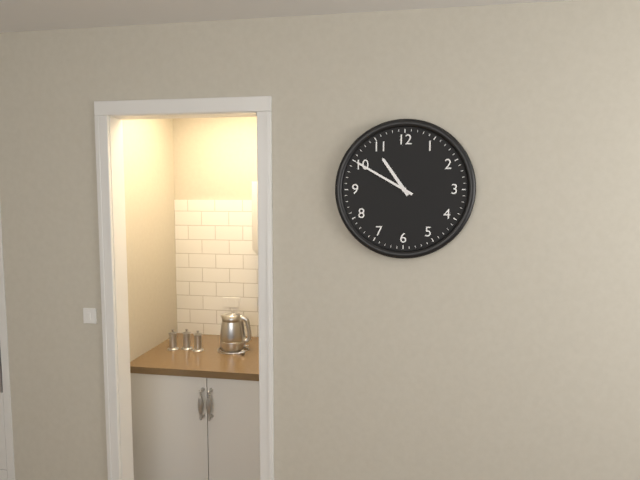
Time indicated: 10:50
